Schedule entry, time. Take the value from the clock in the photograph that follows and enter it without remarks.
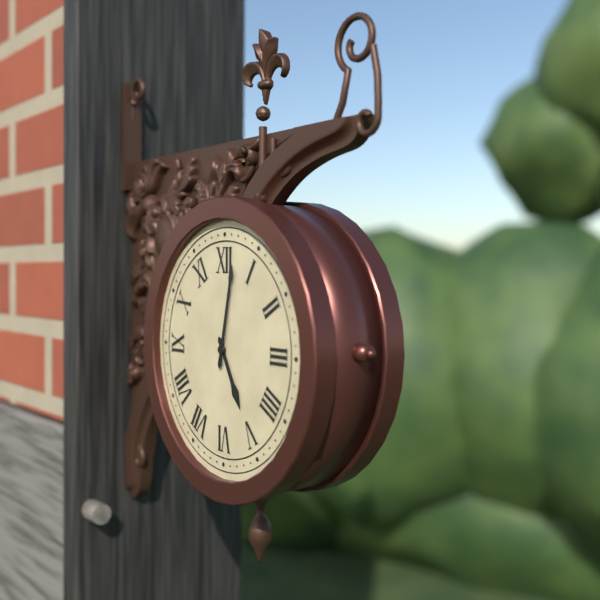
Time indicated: 5:02
